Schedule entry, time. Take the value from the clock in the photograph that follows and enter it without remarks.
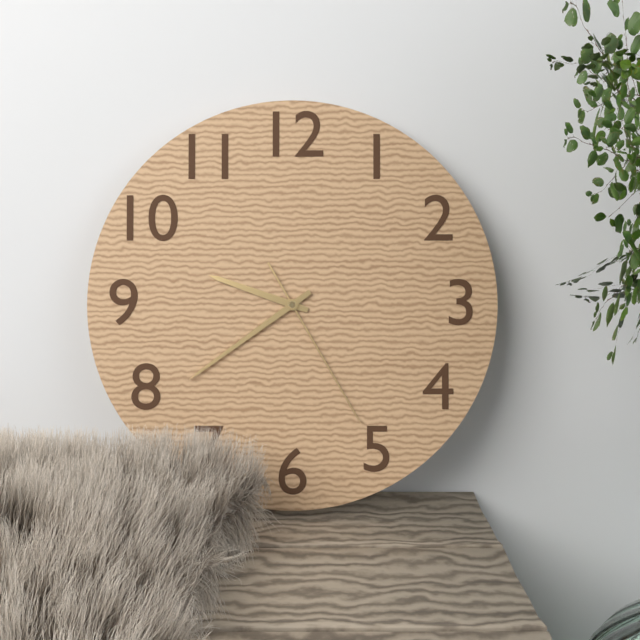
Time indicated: 9:39:25
